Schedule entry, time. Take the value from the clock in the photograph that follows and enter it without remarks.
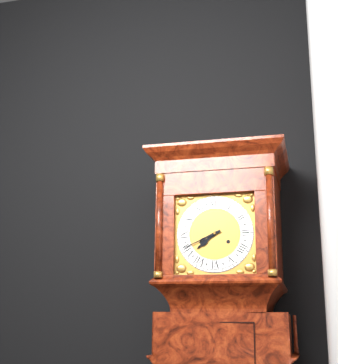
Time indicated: 7:41
